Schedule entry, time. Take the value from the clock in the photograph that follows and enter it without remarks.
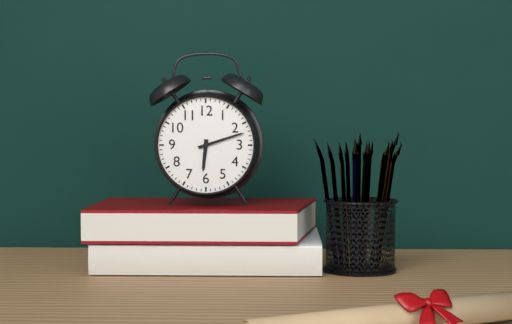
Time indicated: 6:12
